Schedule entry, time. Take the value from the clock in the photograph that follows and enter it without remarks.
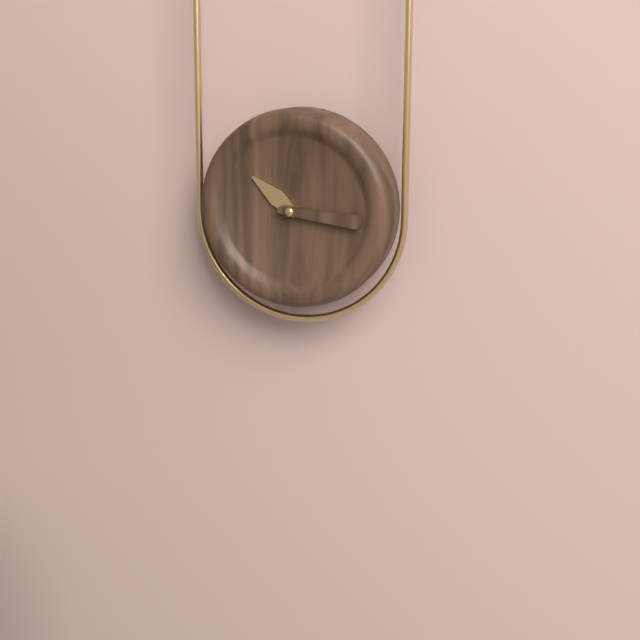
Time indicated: 10:16
